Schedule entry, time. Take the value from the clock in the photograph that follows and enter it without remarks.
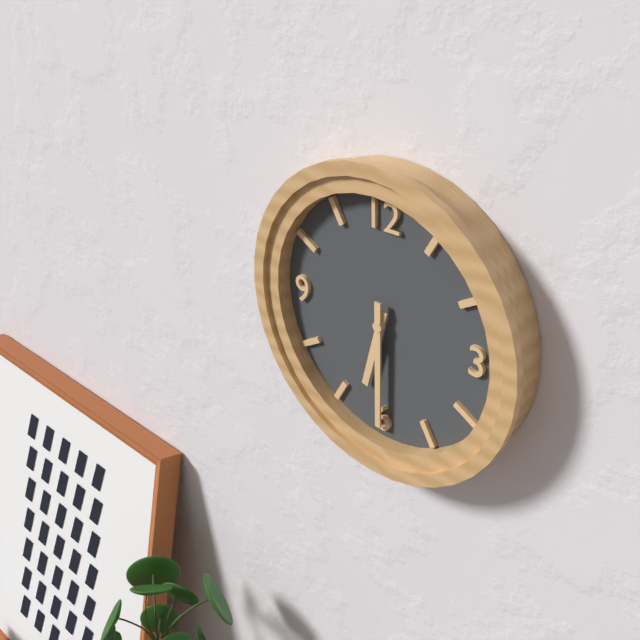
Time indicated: 6:30
